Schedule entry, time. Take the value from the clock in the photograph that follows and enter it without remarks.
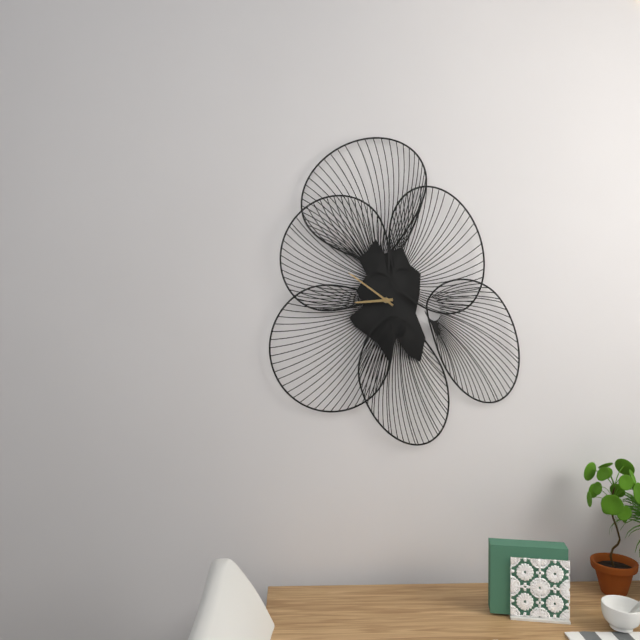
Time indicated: 8:51
